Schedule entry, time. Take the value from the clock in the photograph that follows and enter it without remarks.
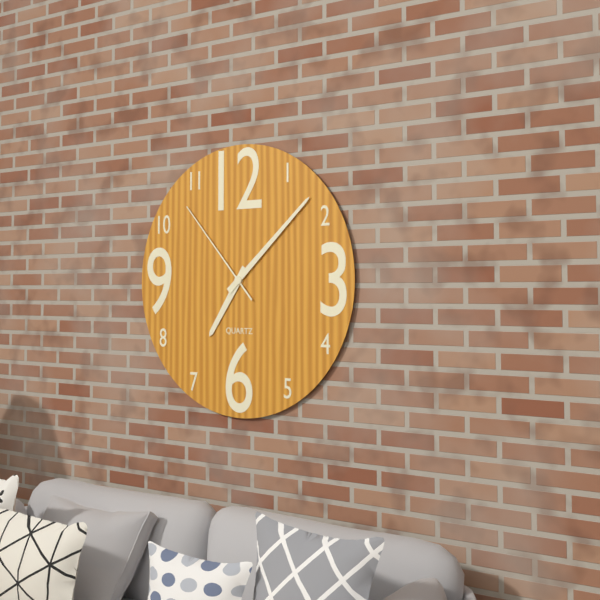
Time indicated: 7:08:53
